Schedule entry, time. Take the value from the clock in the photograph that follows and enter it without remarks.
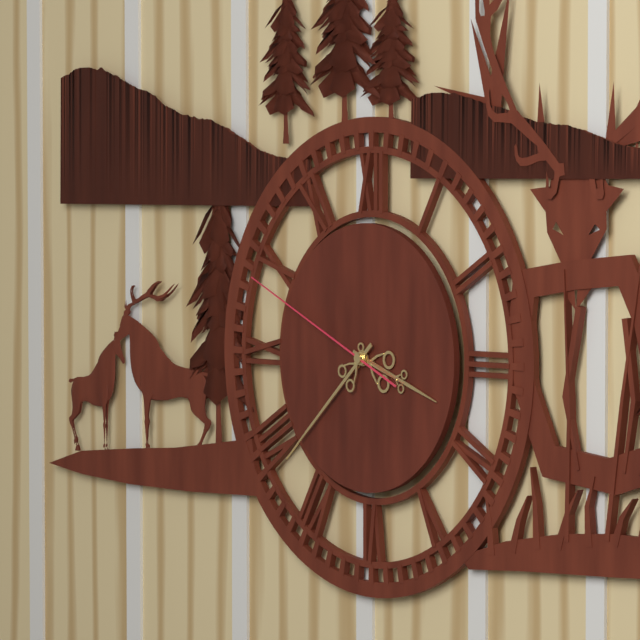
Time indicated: 3:38:49
